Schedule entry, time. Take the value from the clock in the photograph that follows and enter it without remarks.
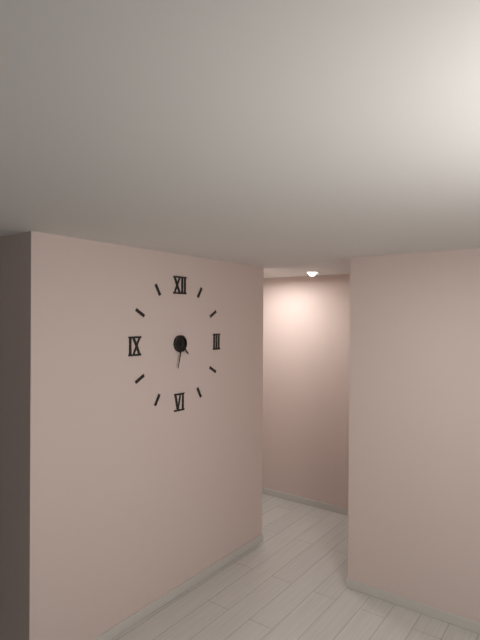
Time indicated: 4:32
